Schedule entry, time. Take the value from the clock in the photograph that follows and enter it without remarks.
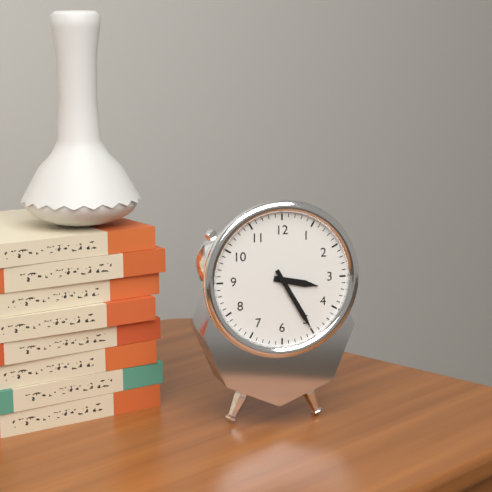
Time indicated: 3:25
